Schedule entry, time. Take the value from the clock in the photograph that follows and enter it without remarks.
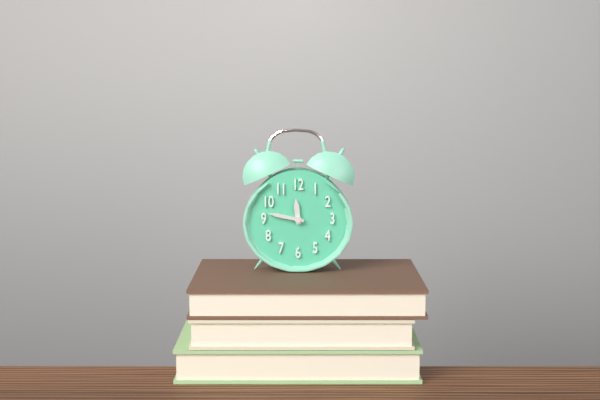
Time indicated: 11:47
